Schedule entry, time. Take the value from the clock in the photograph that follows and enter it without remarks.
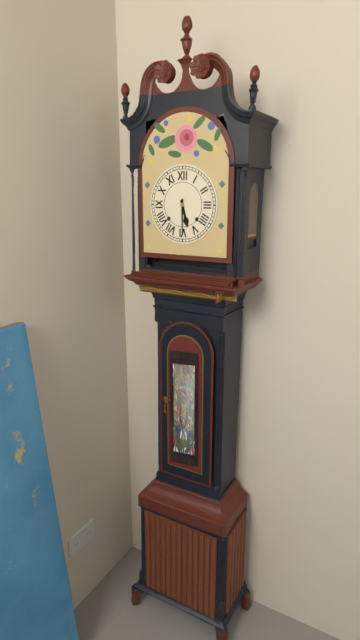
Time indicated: 5:30
